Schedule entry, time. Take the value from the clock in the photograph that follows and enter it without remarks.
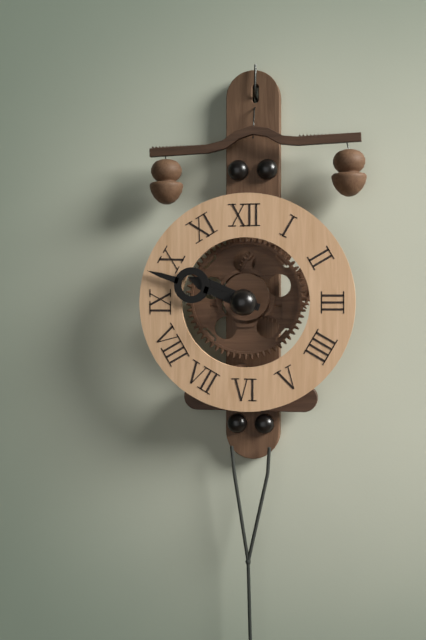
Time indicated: 9:48
